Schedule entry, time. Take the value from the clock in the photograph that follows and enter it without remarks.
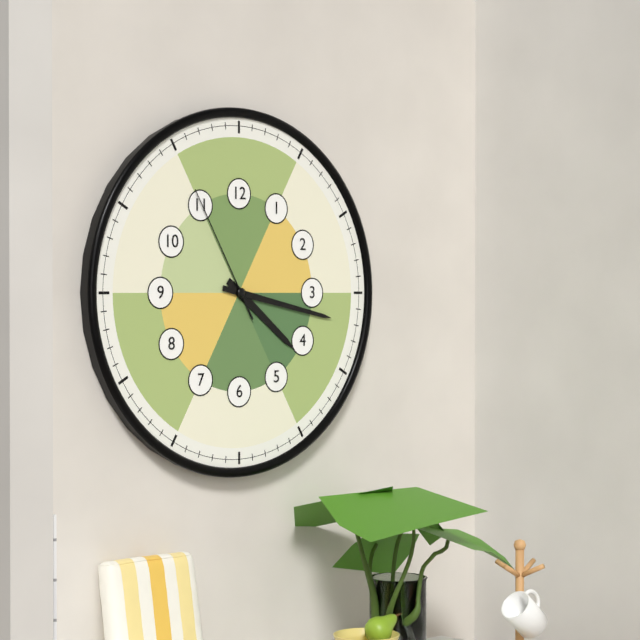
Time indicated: 4:17:55
